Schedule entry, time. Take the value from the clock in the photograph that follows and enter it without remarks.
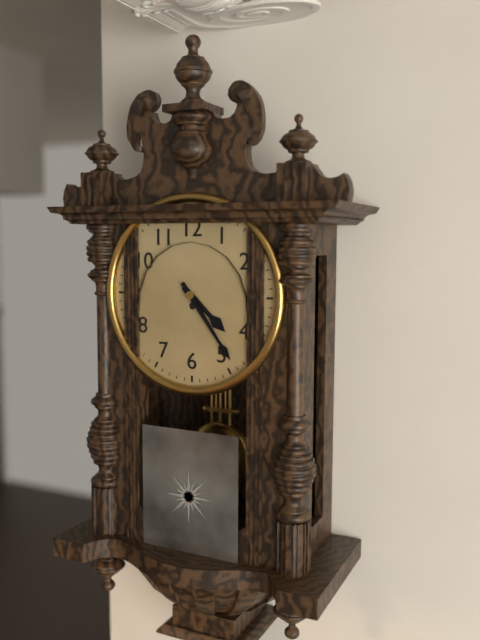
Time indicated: 4:24
